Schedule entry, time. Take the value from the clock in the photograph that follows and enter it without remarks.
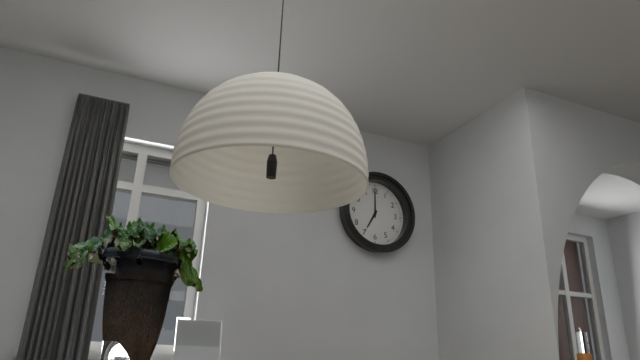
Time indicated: 7:00
